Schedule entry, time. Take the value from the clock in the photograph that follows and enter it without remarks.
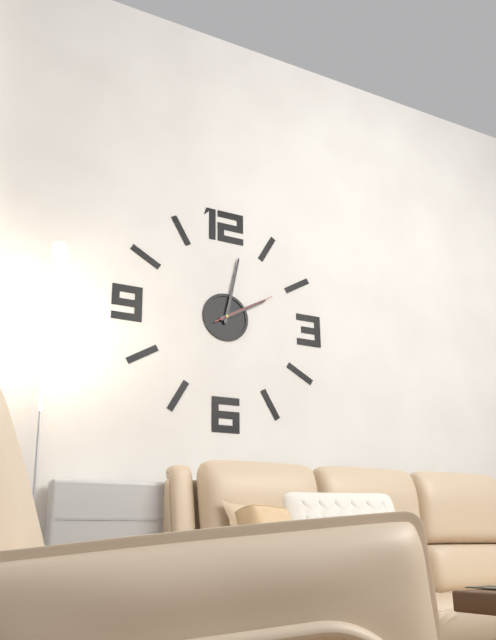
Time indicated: 2:02:10
